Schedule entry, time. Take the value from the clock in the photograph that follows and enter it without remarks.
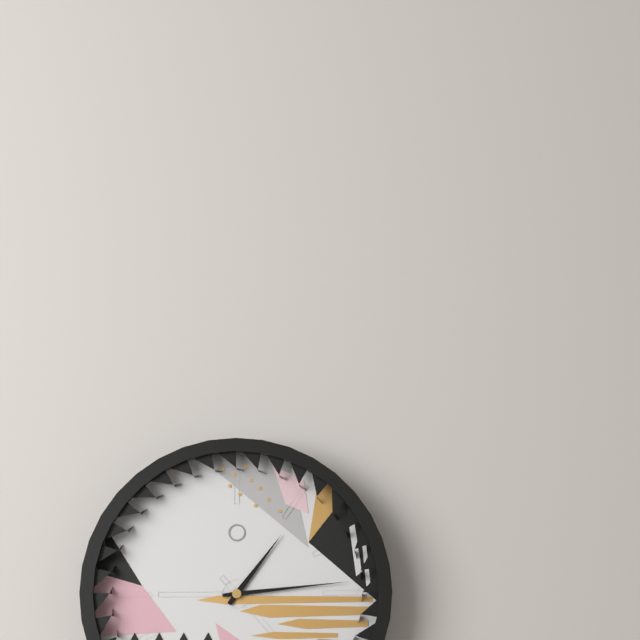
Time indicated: 1:14
